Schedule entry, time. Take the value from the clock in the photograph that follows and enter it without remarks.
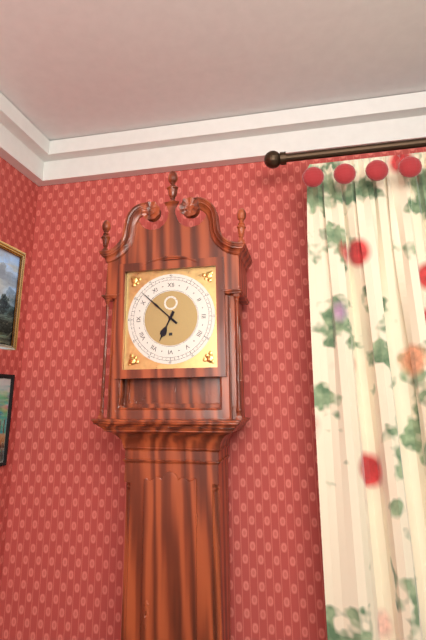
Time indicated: 6:52
